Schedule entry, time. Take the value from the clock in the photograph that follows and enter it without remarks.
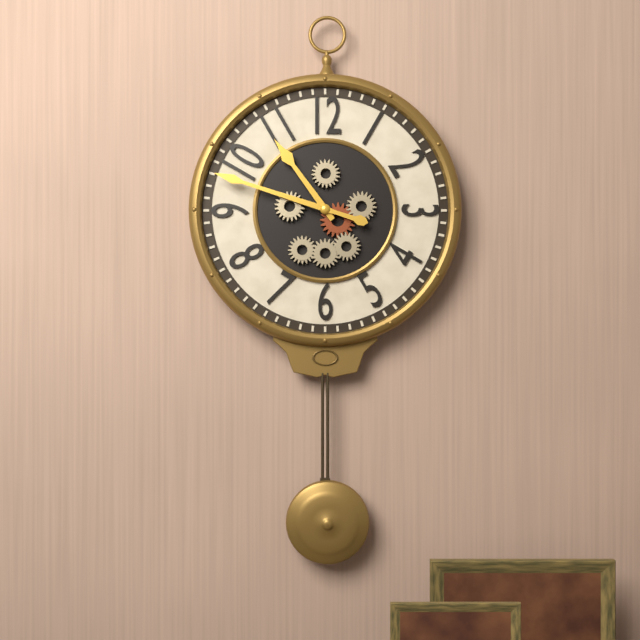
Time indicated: 10:48
